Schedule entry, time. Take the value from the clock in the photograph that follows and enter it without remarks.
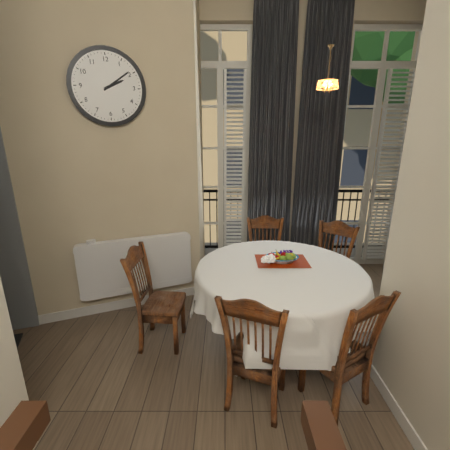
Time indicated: 2:09
